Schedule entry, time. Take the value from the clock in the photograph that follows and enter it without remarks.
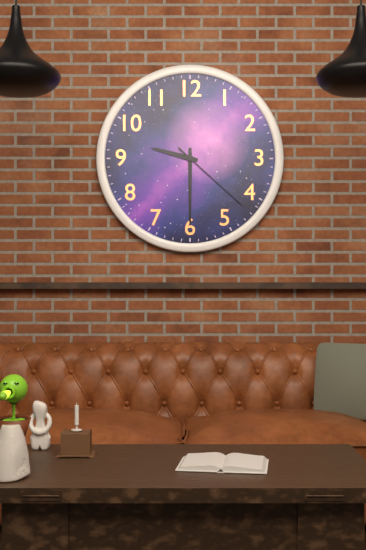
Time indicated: 9:30:22
